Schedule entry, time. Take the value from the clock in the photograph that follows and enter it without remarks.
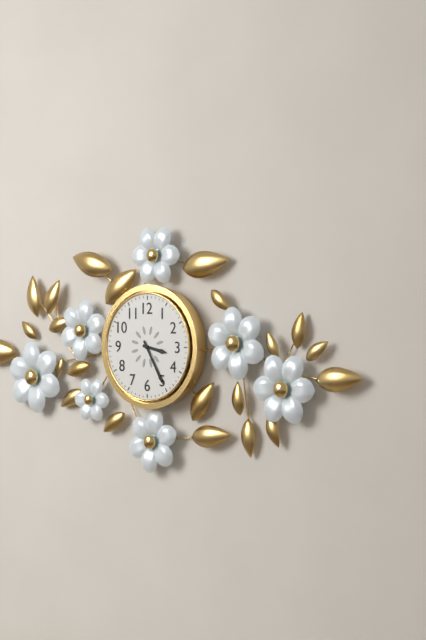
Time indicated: 3:25
